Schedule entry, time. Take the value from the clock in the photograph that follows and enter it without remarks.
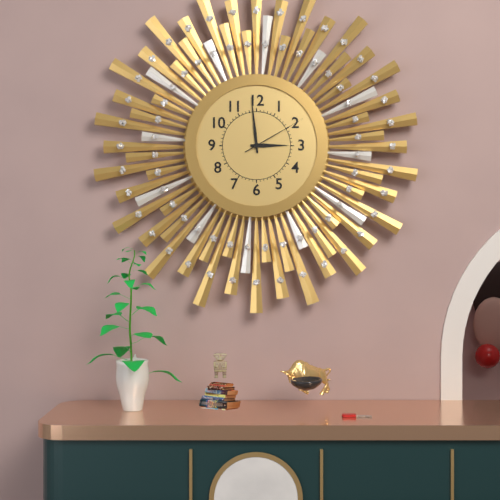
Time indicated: 2:59:10
